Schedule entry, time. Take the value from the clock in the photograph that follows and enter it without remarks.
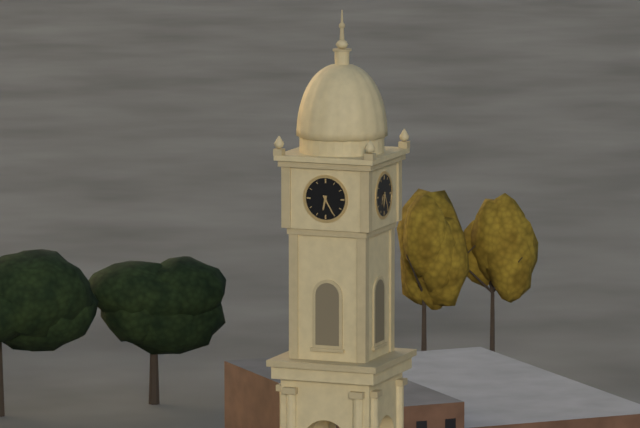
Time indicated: 6:25
